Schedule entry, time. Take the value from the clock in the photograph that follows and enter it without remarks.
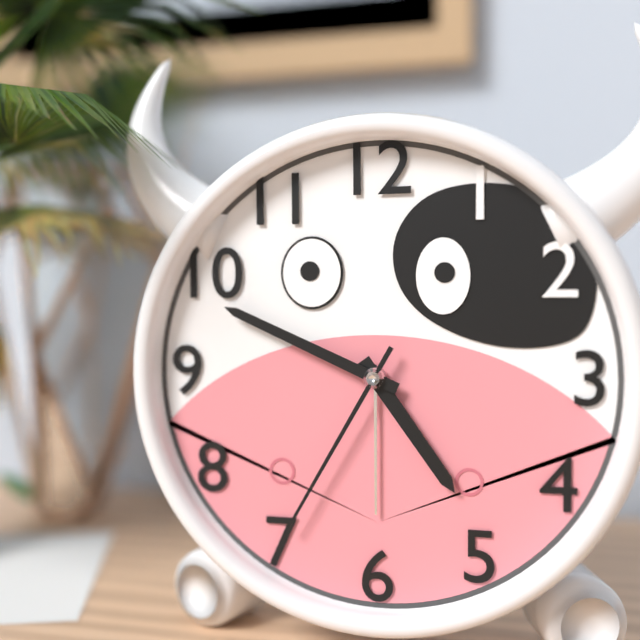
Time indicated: 4:49:35
